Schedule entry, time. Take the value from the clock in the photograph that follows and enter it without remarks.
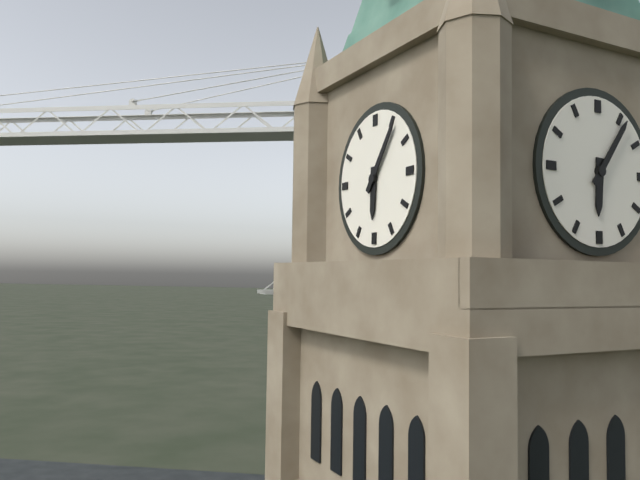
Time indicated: 6:06
